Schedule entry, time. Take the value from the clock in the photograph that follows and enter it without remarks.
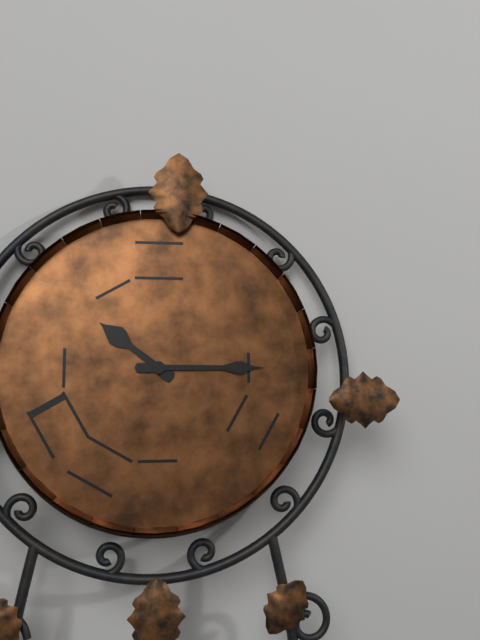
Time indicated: 10:15
